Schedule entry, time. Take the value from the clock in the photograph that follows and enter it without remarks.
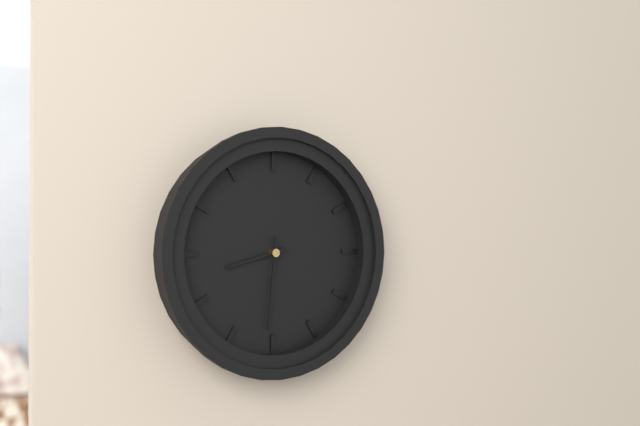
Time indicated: 8:31
